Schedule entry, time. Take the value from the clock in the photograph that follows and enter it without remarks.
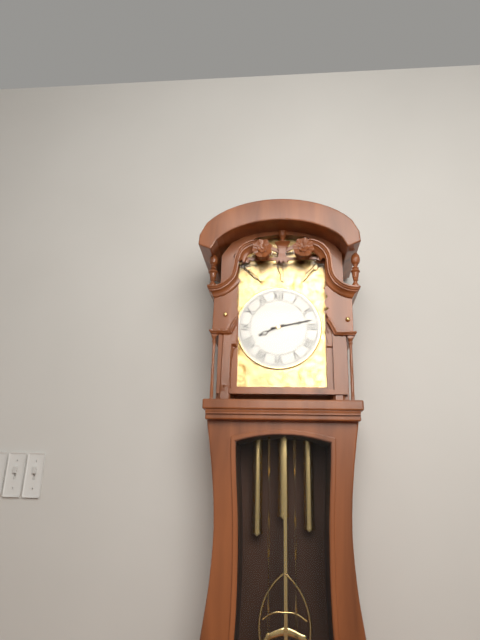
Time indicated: 8:13
